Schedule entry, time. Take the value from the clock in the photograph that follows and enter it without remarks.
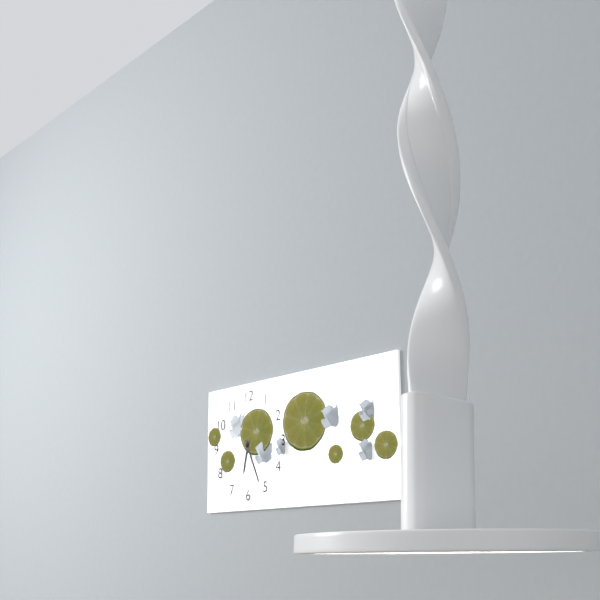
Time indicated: 6:26
